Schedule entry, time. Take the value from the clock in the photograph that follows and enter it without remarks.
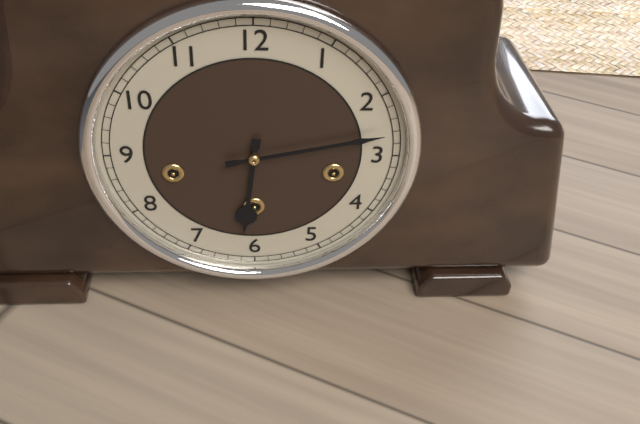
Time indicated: 6:13
